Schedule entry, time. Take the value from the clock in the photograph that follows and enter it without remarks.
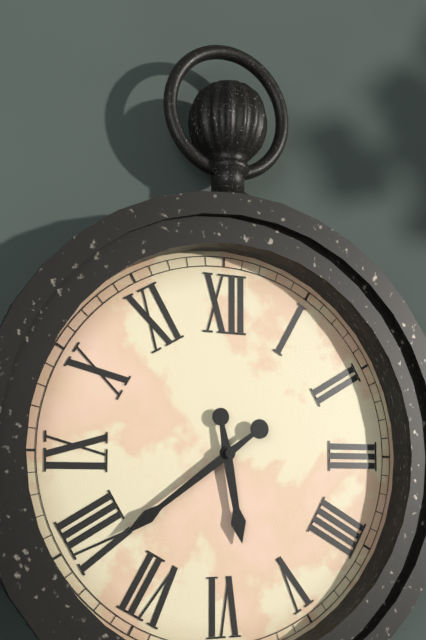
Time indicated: 5:39
